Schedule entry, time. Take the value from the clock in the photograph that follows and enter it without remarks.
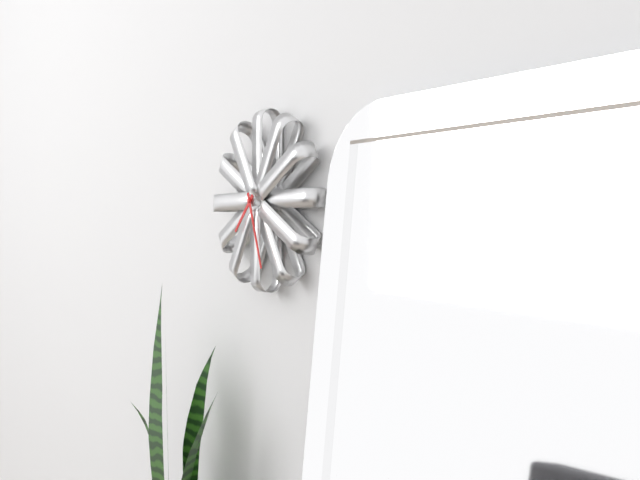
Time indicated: 7:27
